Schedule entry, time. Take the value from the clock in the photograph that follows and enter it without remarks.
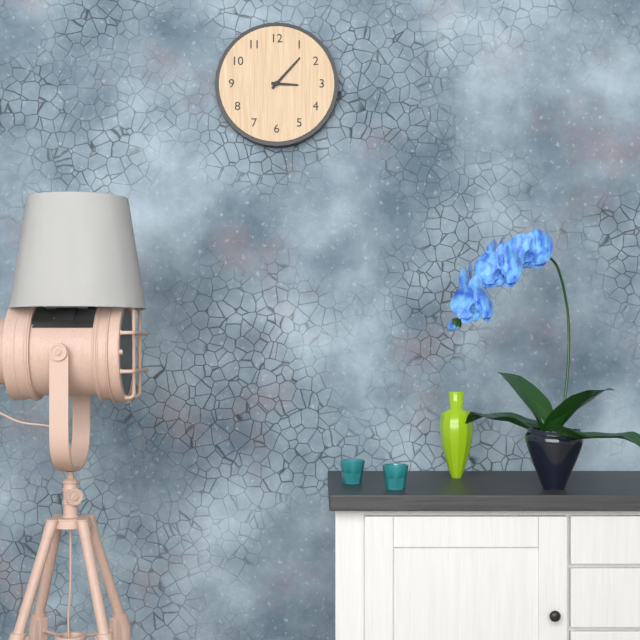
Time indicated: 3:07
